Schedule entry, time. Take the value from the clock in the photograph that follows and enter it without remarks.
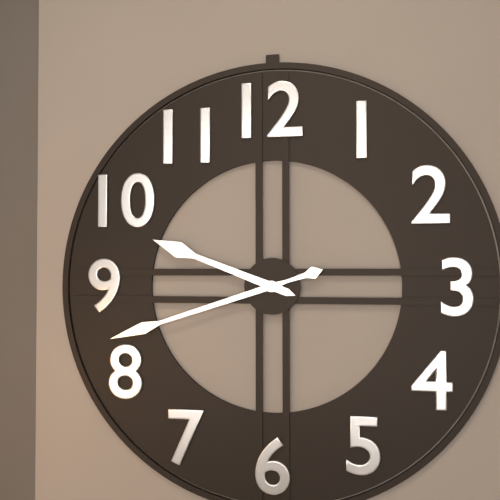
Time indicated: 9:42
